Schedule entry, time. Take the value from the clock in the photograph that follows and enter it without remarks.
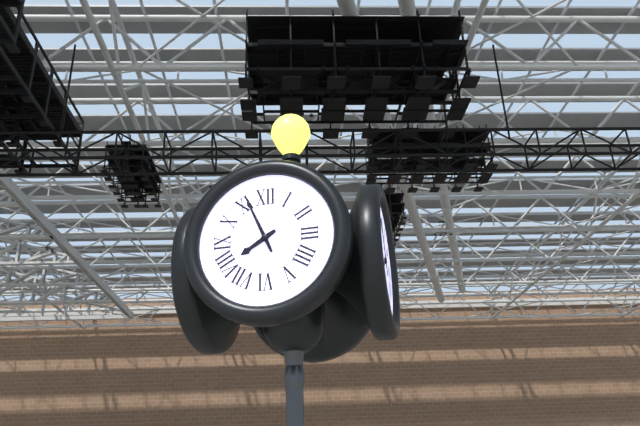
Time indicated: 7:56
